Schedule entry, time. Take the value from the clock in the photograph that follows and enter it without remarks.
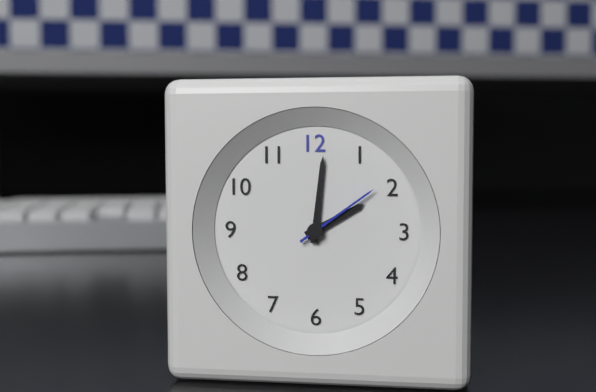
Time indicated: 2:01:09
